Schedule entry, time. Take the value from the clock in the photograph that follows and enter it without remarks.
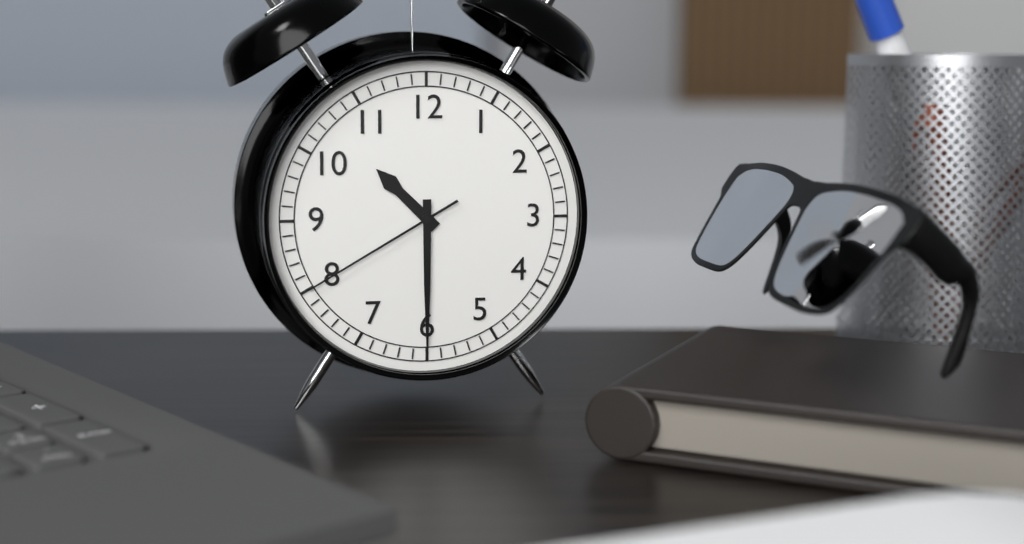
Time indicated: 10:30:40
